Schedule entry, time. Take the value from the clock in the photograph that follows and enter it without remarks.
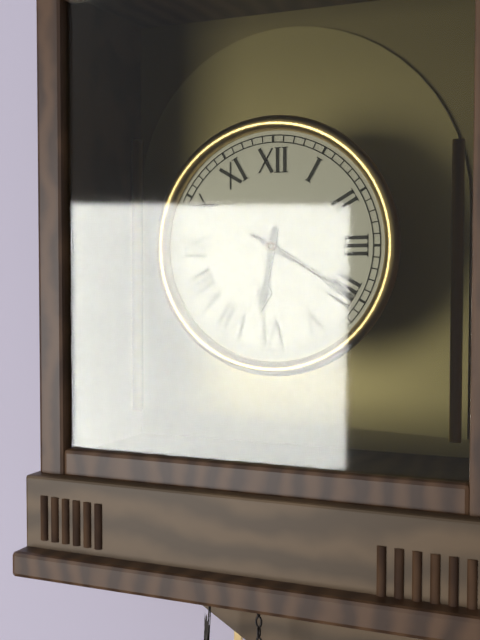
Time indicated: 6:20
